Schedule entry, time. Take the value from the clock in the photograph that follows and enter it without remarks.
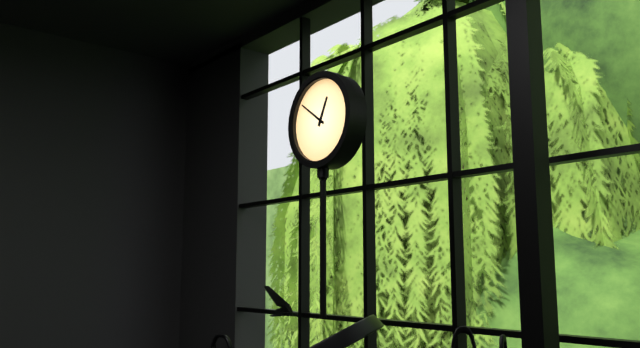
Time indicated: 12:51
